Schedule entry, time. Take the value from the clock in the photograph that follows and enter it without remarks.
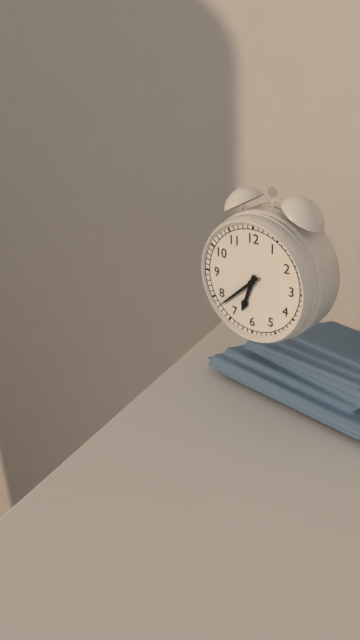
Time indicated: 6:38
